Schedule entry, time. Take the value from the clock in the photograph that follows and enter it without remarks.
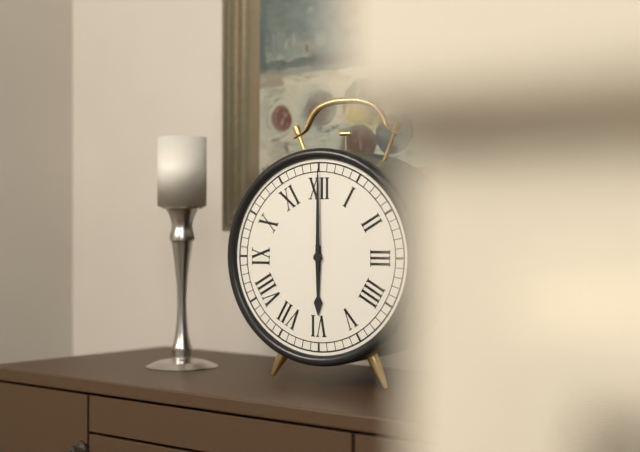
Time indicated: 6:00
